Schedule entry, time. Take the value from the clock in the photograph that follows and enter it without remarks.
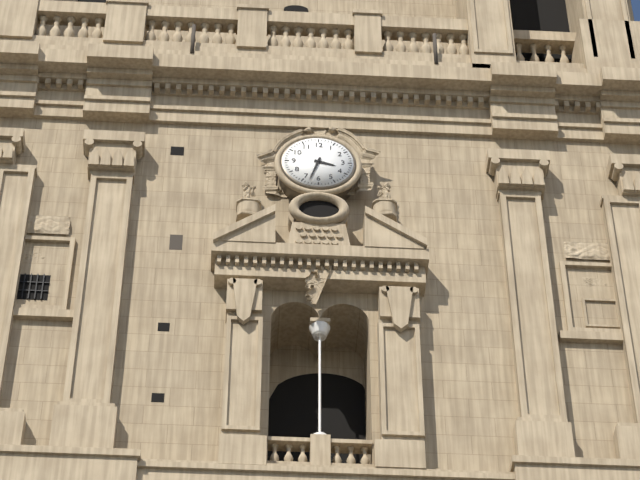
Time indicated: 3:33
